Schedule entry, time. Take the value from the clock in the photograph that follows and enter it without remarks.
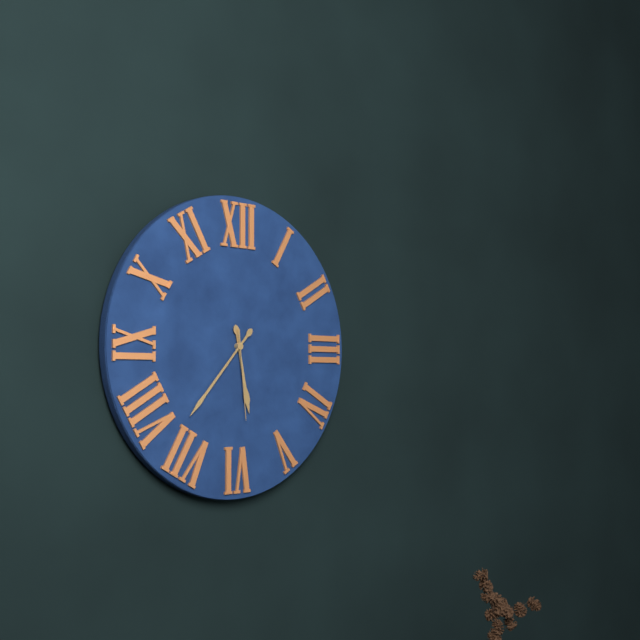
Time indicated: 5:37:29
